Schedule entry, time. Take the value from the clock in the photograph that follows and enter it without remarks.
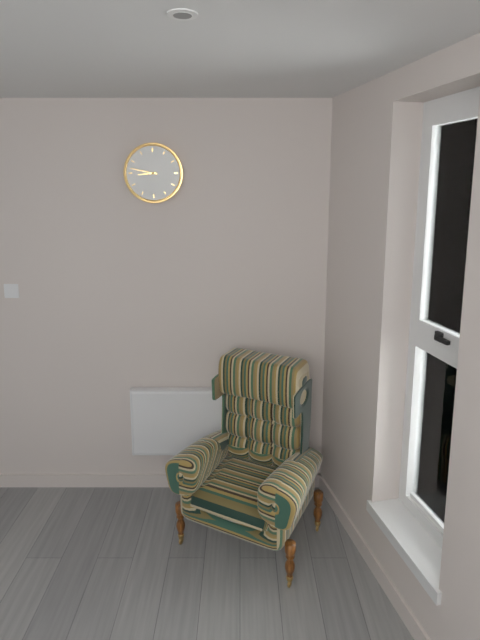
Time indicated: 8:47
